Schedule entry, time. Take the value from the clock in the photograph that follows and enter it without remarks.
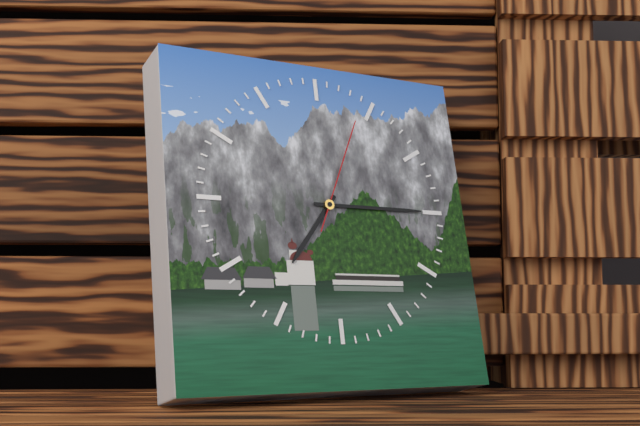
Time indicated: 7:15:04
